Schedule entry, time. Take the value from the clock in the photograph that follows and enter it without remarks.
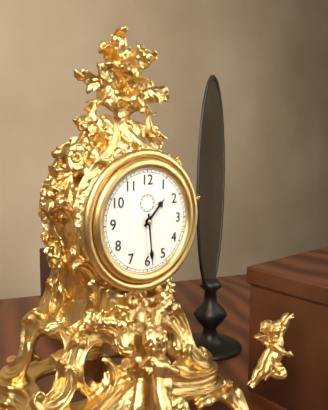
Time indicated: 1:29
